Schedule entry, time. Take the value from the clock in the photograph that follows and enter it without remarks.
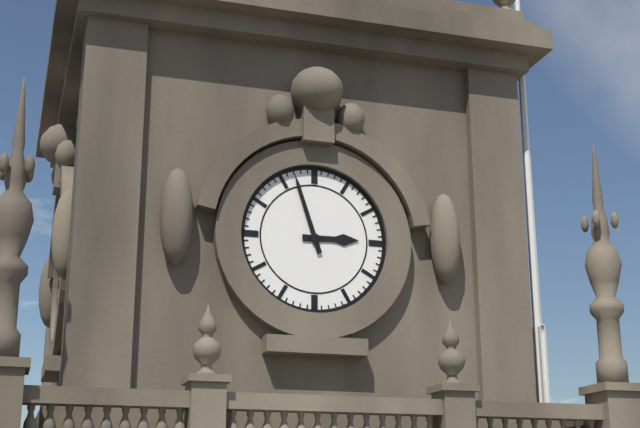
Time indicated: 2:57
